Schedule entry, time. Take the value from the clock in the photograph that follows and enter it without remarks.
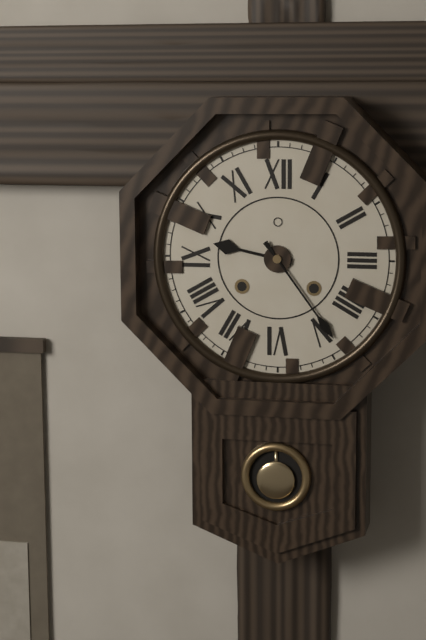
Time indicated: 9:24
